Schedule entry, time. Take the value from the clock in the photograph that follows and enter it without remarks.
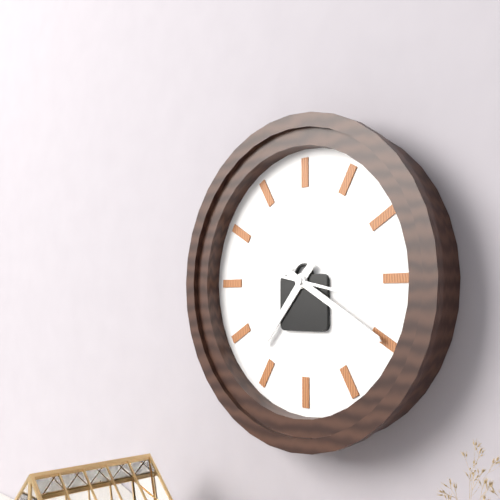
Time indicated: 7:20:17
